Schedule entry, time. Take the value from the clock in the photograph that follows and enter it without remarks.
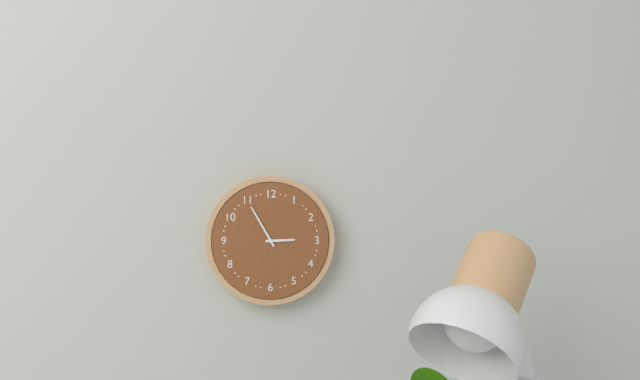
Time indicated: 2:55
